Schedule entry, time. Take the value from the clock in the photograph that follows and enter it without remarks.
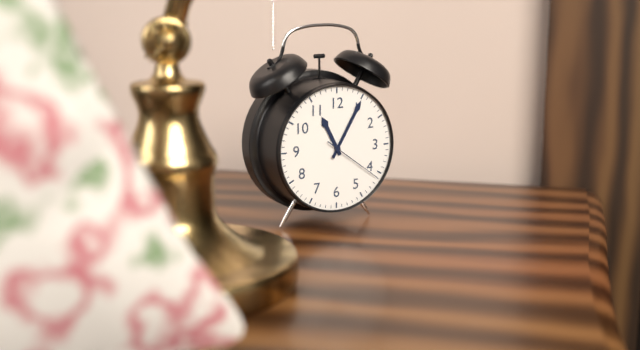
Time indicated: 11:05:21
